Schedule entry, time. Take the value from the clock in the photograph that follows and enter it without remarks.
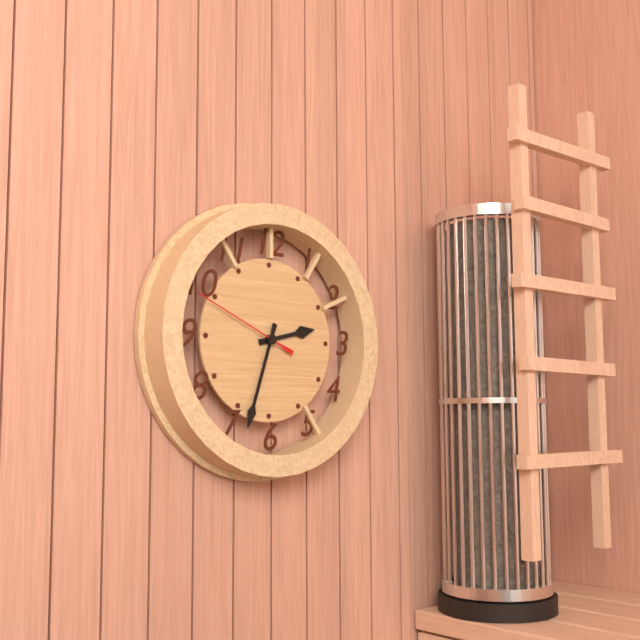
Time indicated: 2:33:49
